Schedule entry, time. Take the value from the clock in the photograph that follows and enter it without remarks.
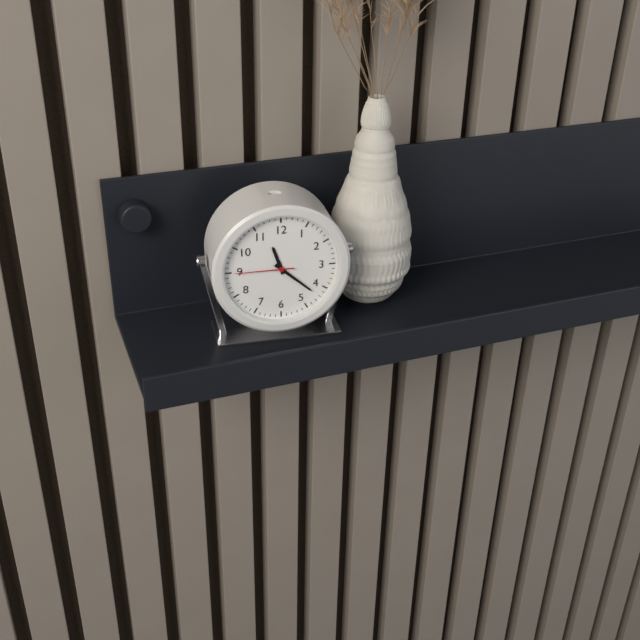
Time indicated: 11:22:45
